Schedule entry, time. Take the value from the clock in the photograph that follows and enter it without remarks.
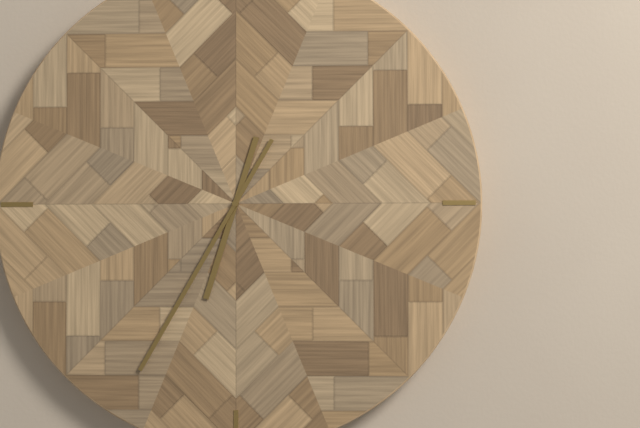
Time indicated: 6:35
